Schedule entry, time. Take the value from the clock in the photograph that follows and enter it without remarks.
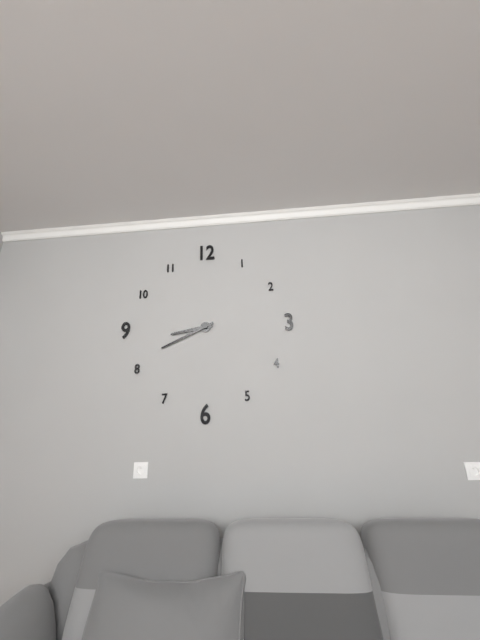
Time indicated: 8:41
